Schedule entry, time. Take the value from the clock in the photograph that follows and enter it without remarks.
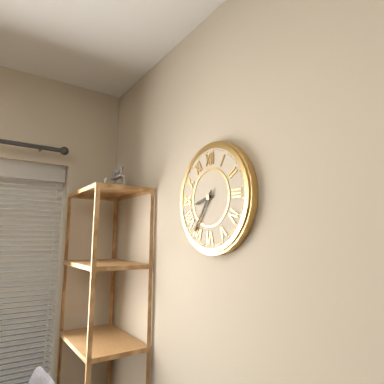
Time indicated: 8:36
